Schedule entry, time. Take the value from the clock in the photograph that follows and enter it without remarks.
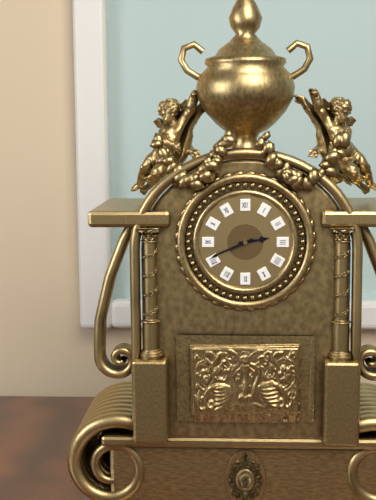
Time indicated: 2:41
